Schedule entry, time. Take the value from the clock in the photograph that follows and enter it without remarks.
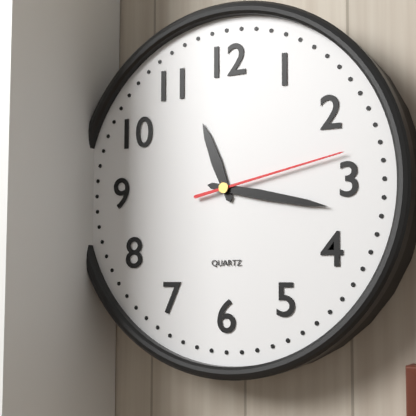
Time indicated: 11:17:13
